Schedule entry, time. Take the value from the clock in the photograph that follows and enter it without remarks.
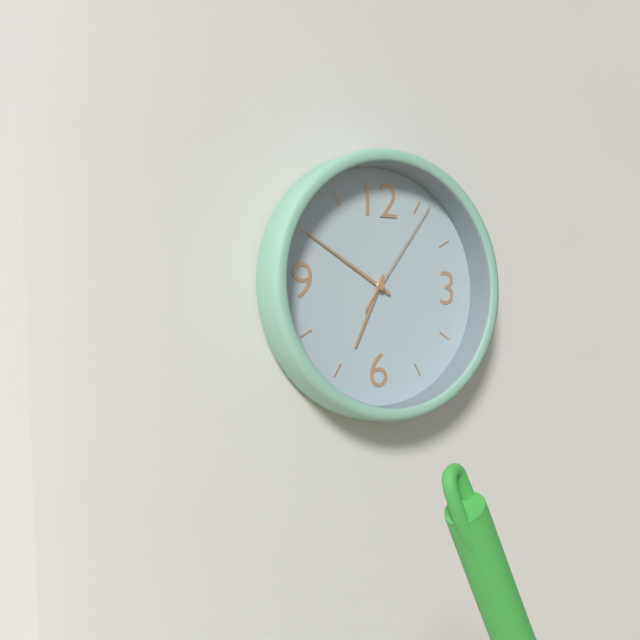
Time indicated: 6:50:06
